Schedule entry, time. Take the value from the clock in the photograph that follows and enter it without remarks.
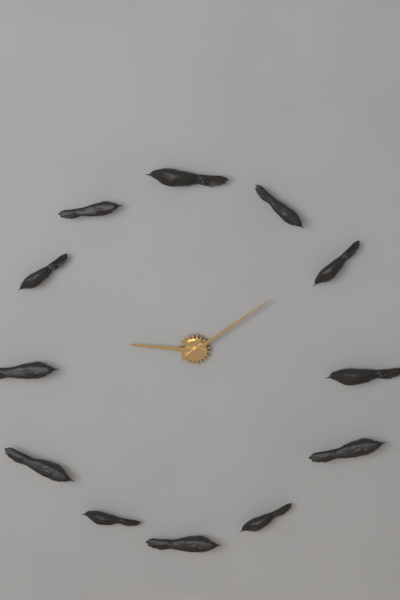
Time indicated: 9:09
